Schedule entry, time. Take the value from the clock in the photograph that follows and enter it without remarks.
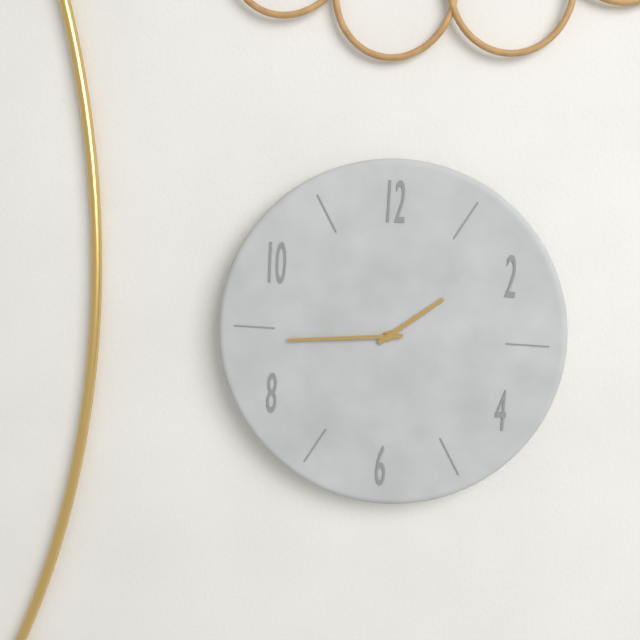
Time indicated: 1:44
